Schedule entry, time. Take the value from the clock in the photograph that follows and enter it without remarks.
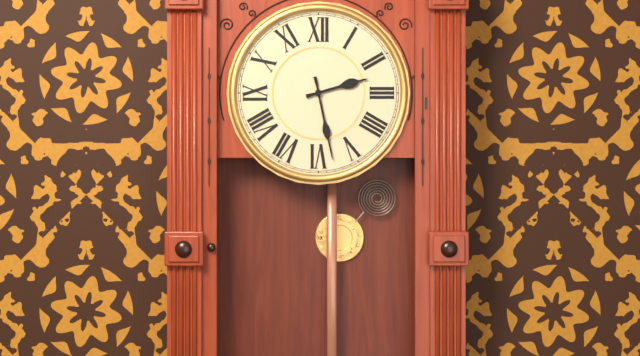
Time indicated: 2:28
